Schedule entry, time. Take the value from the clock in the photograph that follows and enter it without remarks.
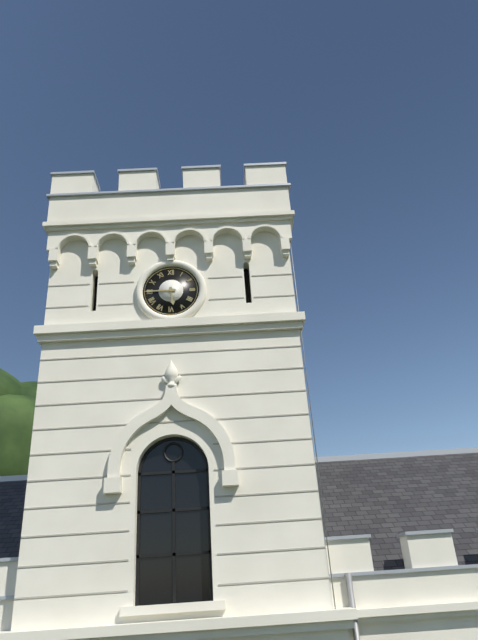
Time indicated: 5:45
